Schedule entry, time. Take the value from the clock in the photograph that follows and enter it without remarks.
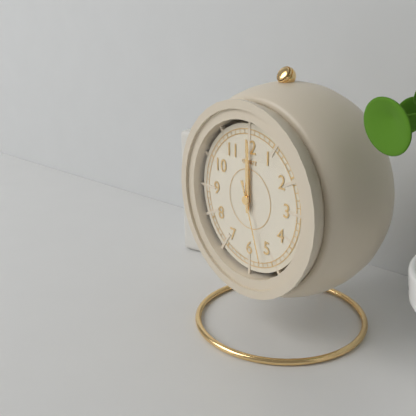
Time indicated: 12:00:27
